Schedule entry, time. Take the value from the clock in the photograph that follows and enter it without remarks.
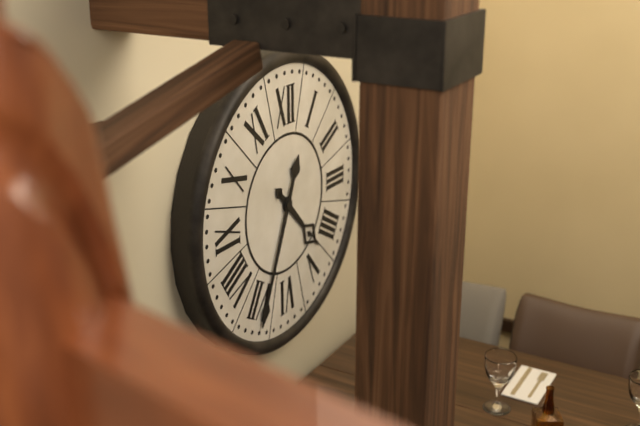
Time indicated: 4:34
